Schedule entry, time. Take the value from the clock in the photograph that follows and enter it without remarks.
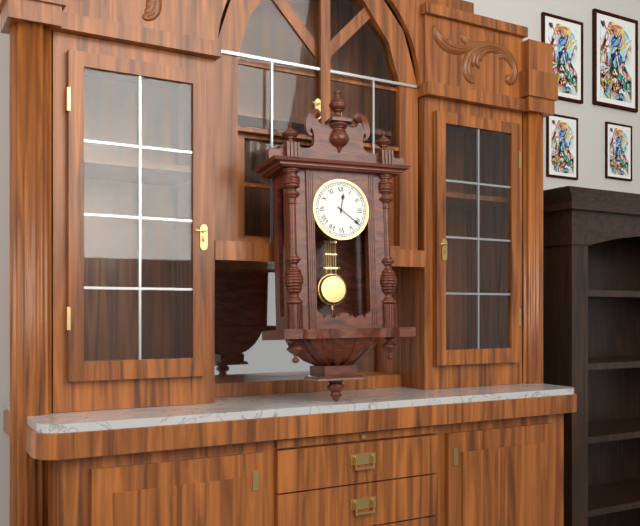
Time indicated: 12:21
